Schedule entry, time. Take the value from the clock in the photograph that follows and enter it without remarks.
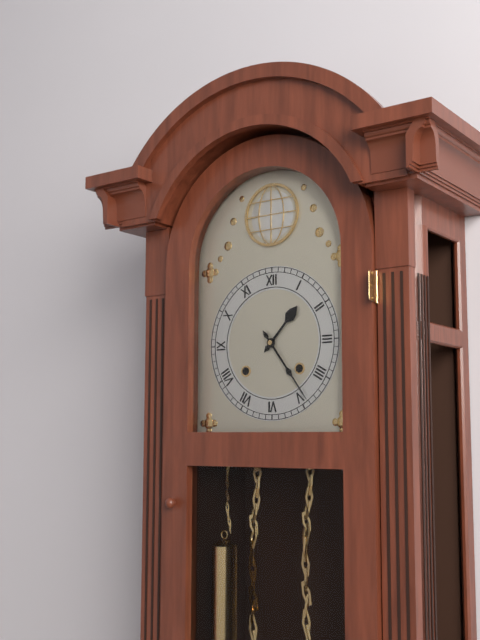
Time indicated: 1:24
